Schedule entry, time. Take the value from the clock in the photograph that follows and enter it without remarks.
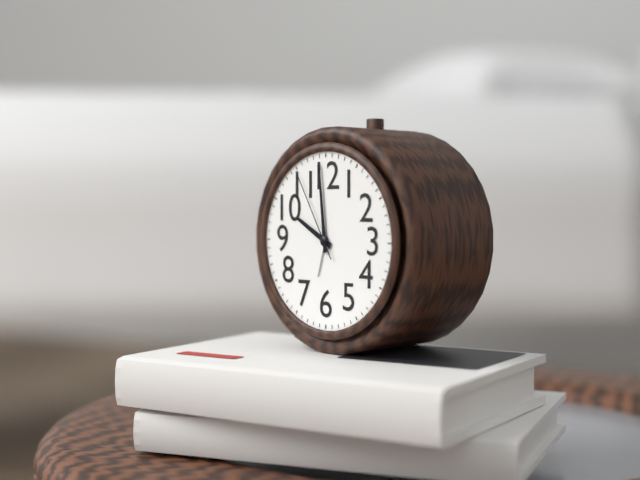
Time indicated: 9:59:55
